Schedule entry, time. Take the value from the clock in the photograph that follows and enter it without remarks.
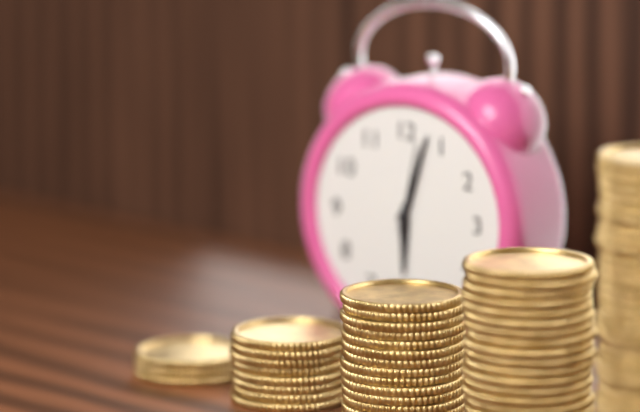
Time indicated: 6:03:02
